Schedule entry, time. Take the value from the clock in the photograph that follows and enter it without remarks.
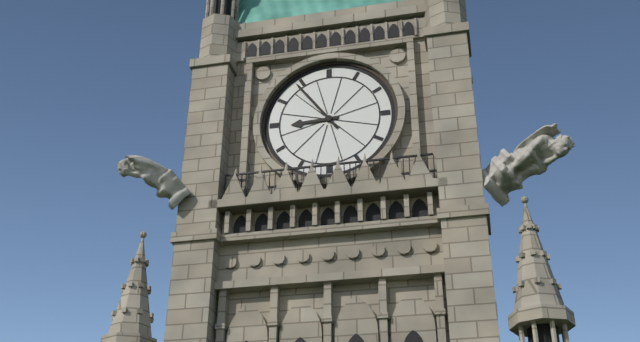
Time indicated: 8:54
